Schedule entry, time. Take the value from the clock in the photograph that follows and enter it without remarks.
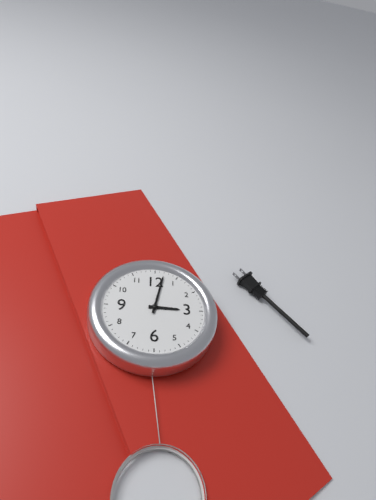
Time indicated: 3:02
